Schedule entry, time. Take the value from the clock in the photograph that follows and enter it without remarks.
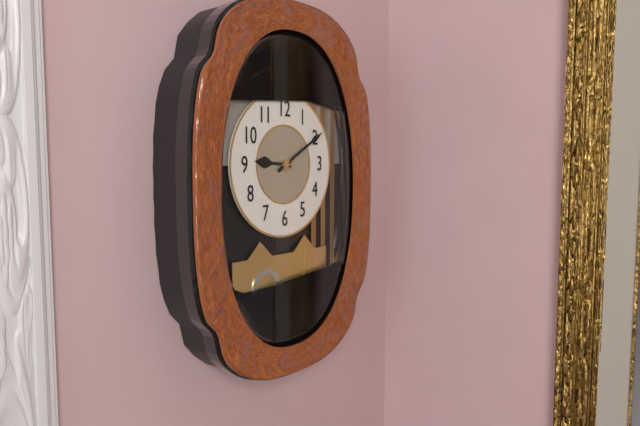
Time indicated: 9:10
